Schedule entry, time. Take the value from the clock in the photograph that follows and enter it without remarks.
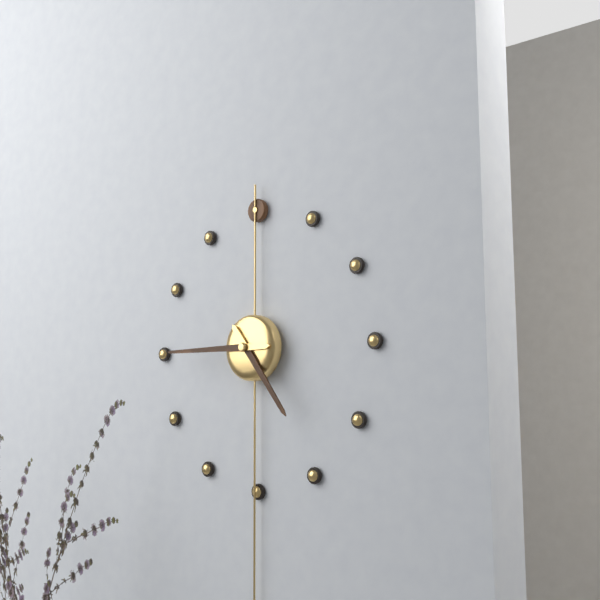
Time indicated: 4:45
